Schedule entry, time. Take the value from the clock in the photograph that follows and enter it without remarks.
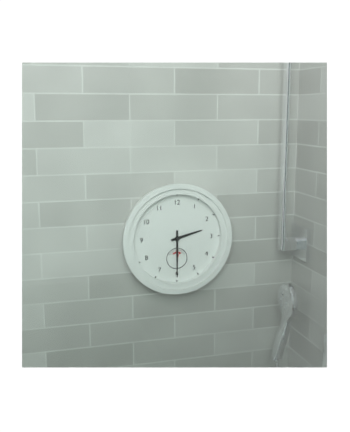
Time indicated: 2:30
